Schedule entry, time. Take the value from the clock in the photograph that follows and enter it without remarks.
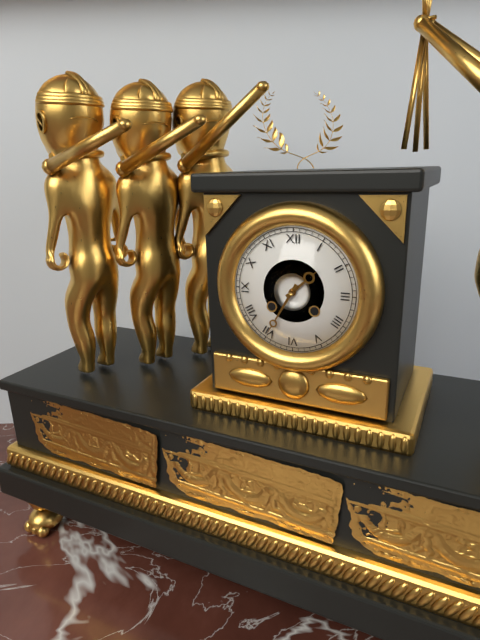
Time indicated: 1:35
